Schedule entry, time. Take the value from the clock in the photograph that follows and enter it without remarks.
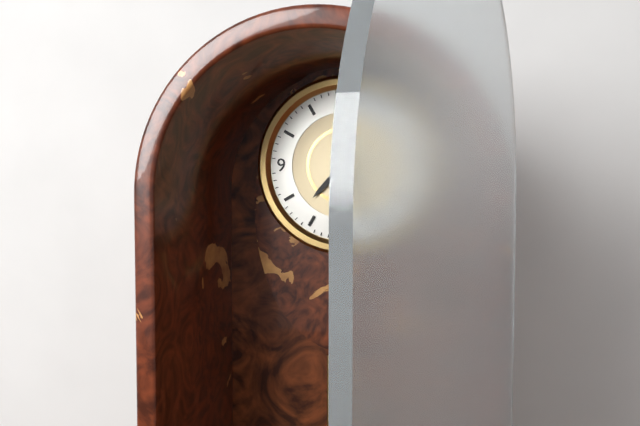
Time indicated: 7:27
